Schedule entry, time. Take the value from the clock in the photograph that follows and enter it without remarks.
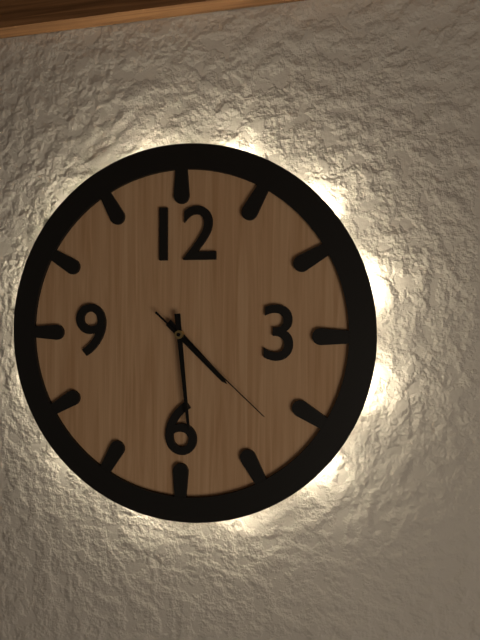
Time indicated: 4:29:22
